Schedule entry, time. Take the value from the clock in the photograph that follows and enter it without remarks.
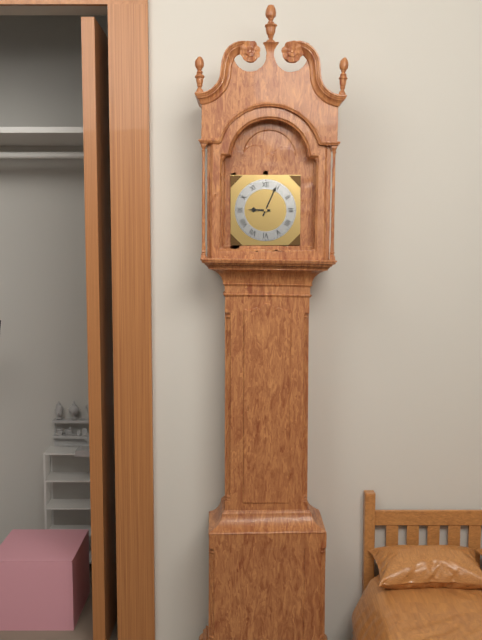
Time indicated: 9:04
